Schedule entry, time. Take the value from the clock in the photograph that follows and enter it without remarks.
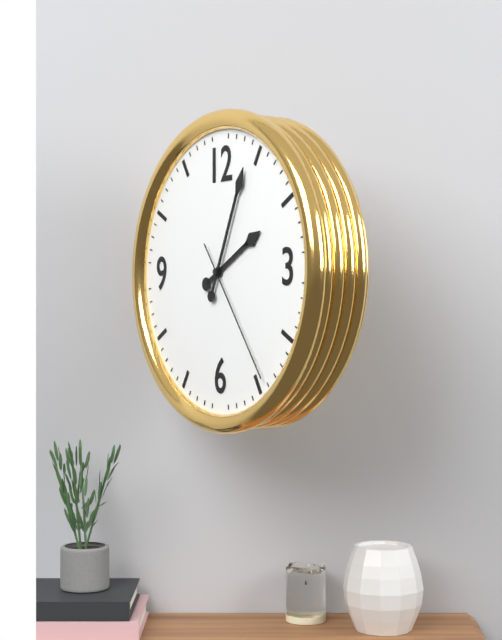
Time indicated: 2:04:24
